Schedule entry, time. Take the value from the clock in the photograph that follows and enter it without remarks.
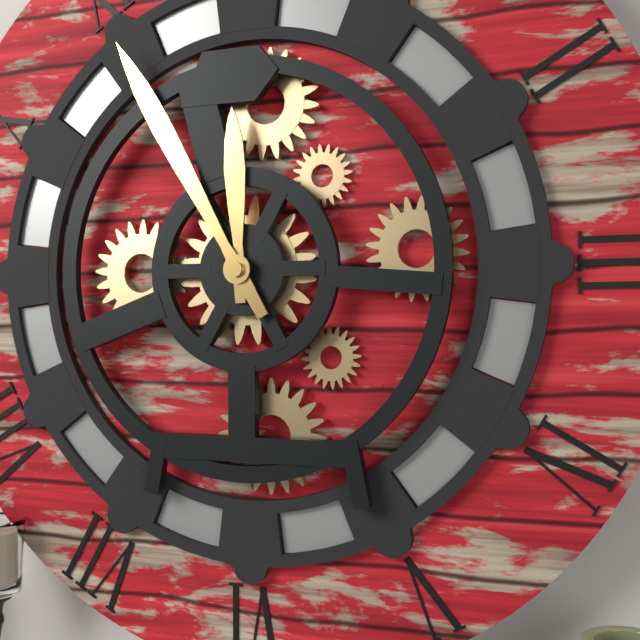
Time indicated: 11:55
